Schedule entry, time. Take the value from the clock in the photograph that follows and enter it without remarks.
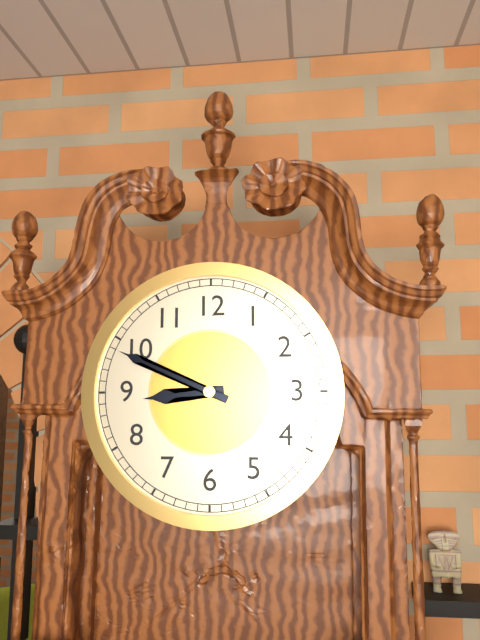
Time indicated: 8:49
